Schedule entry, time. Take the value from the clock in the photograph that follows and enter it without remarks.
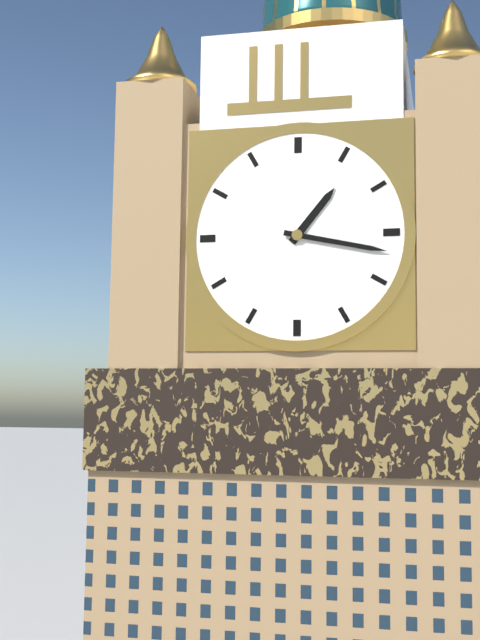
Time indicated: 1:17
